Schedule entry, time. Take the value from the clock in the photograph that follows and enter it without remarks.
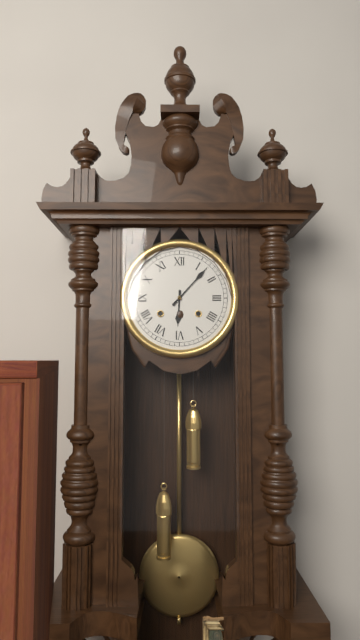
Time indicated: 6:07
